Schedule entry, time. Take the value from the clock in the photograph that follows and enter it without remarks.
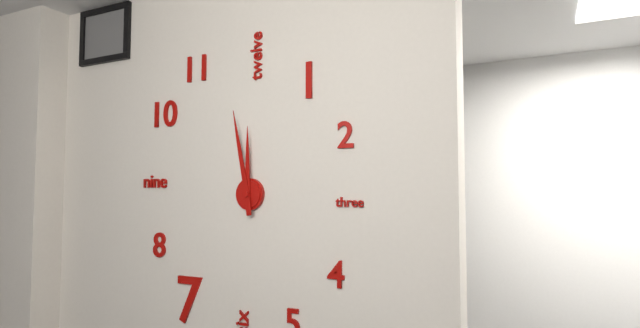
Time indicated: 11:58
